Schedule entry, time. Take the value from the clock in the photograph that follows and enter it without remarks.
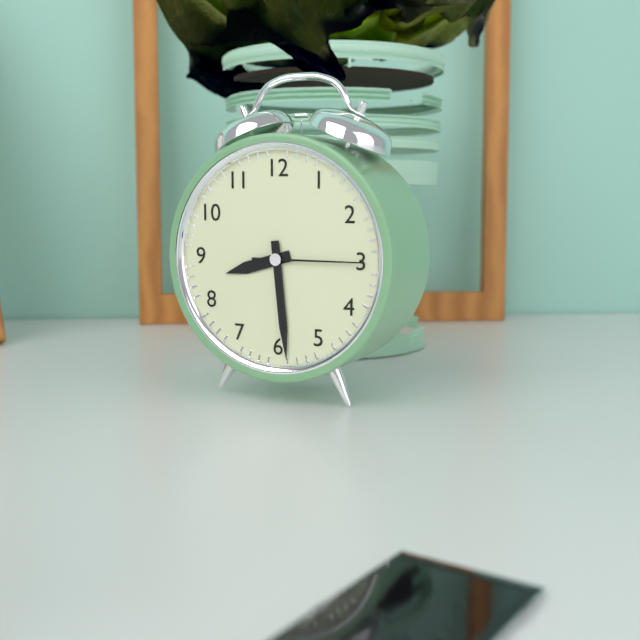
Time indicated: 8:29:15
